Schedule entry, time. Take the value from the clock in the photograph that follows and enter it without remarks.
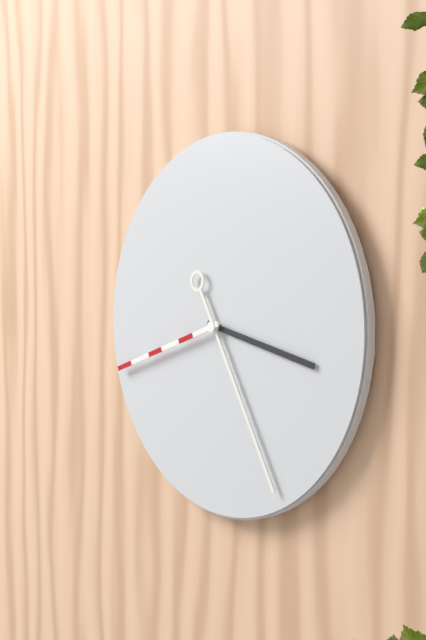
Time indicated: 3:25:42
